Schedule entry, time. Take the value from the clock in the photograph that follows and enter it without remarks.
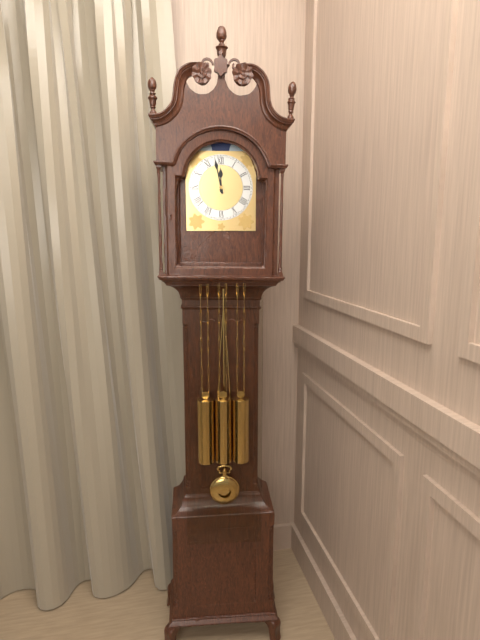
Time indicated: 11:58
